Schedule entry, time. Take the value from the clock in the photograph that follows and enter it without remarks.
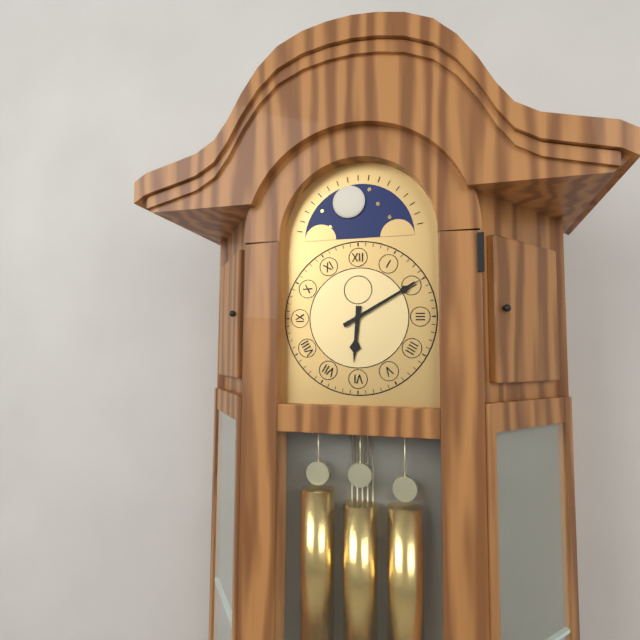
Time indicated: 6:10
